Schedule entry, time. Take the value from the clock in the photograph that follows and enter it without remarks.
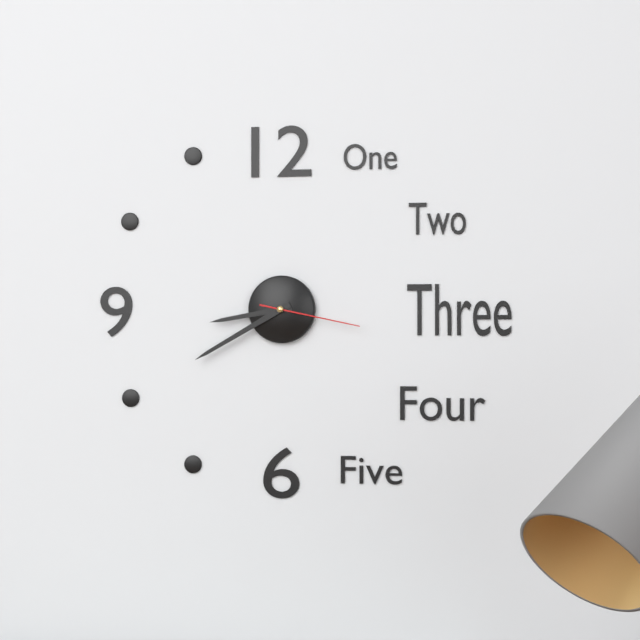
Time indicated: 8:40:17
